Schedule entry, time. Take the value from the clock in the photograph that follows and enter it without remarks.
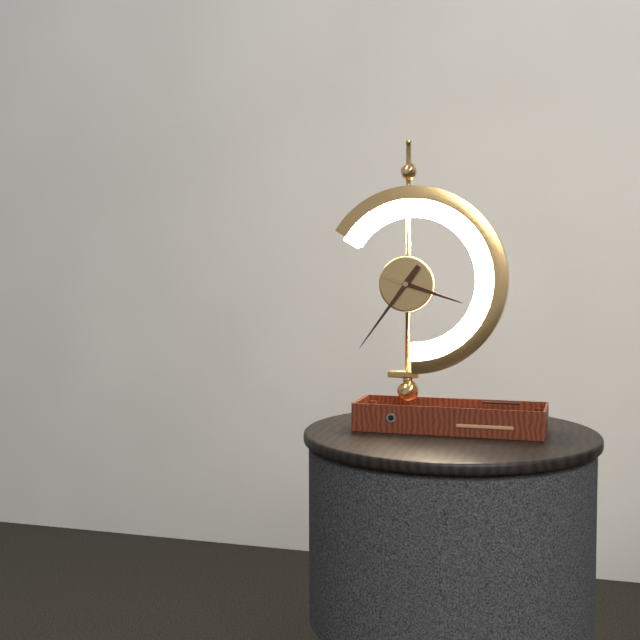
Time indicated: 3:36
